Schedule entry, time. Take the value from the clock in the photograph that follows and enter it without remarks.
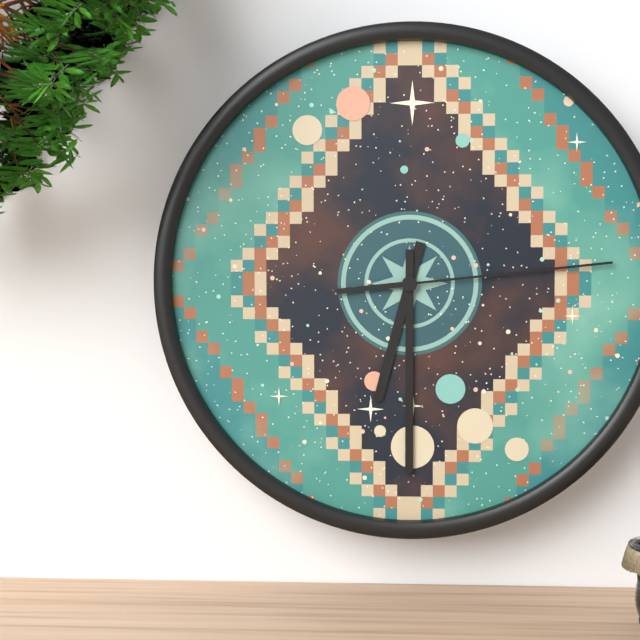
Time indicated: 6:30:14
